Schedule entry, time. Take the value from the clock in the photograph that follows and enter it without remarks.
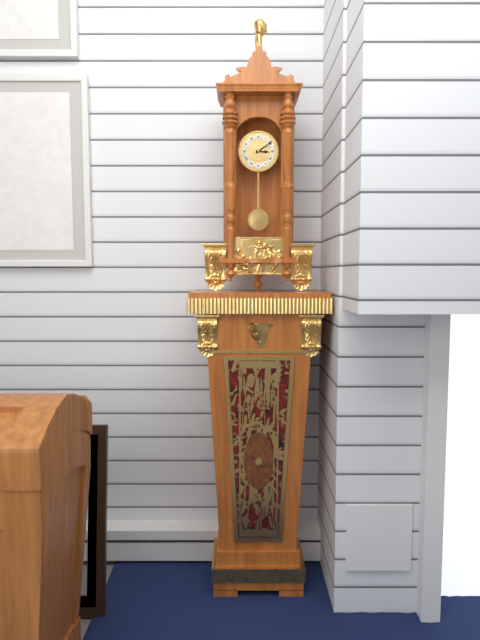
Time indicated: 3:09
